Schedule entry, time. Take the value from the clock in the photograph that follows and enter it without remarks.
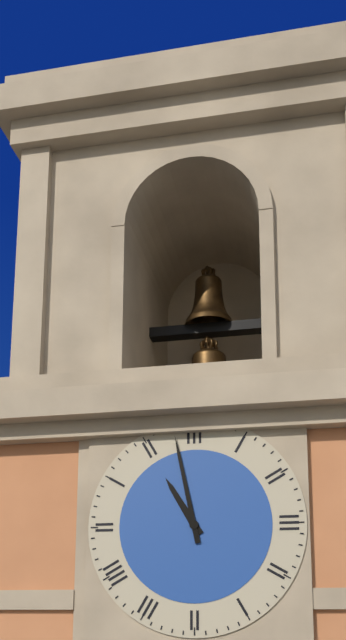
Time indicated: 10:58
